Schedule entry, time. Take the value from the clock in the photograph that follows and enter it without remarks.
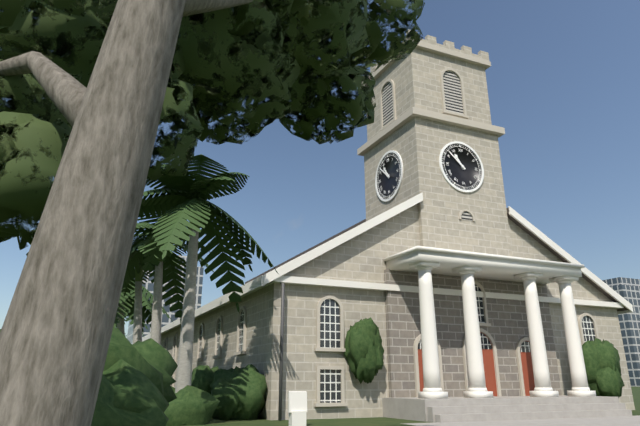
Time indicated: 10:52
